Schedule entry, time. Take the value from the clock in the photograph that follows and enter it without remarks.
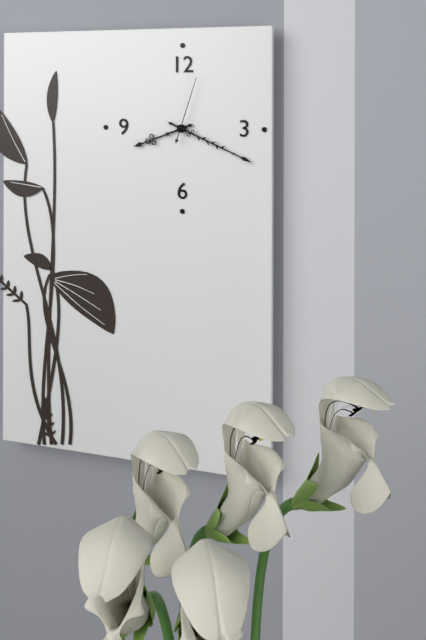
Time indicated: 8:19:03
